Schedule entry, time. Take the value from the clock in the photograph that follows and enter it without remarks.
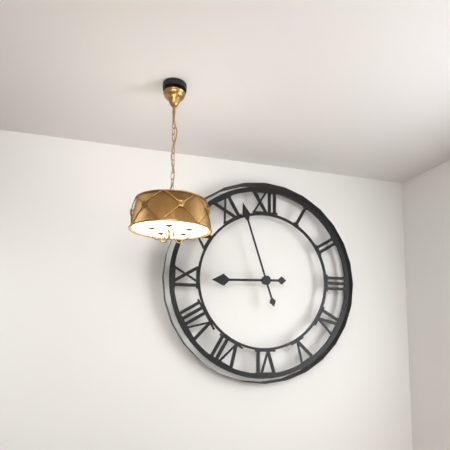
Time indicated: 8:57
